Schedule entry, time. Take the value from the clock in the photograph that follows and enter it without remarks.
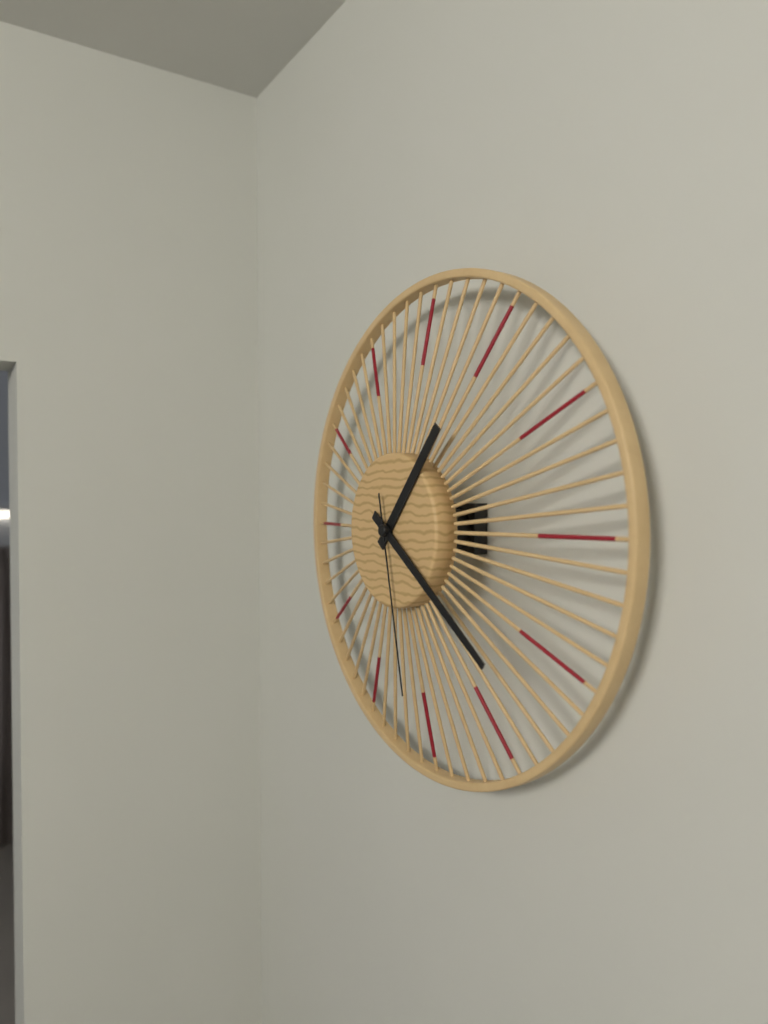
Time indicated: 1:21:28
